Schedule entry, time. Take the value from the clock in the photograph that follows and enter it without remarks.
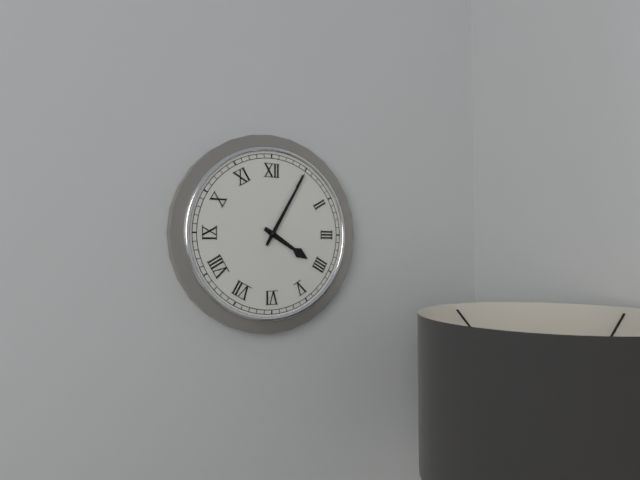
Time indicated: 4:05
